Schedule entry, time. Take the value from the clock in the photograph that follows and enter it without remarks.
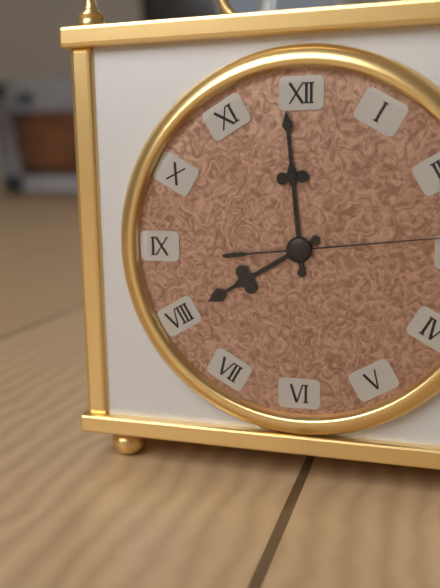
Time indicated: 7:59
